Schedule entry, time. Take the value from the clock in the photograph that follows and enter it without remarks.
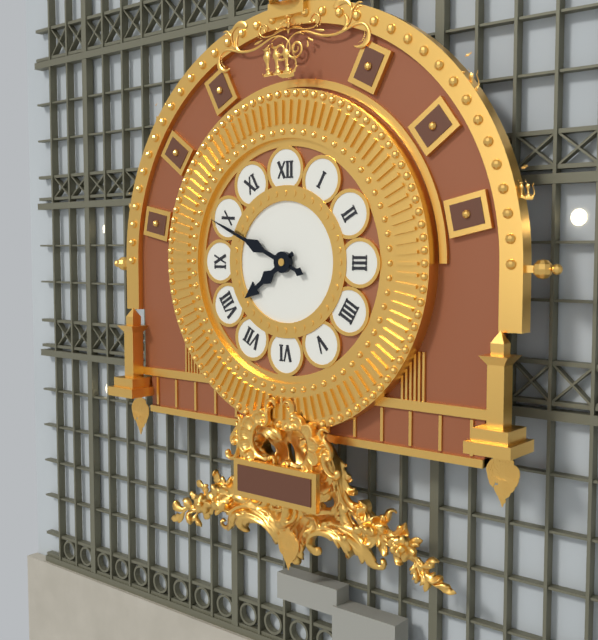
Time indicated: 7:49
